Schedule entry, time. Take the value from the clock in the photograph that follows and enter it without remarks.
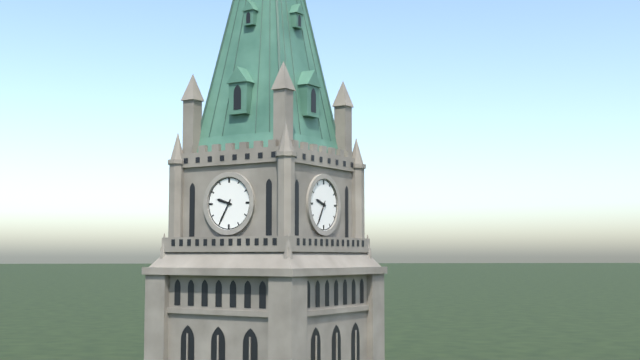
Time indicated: 9:35
